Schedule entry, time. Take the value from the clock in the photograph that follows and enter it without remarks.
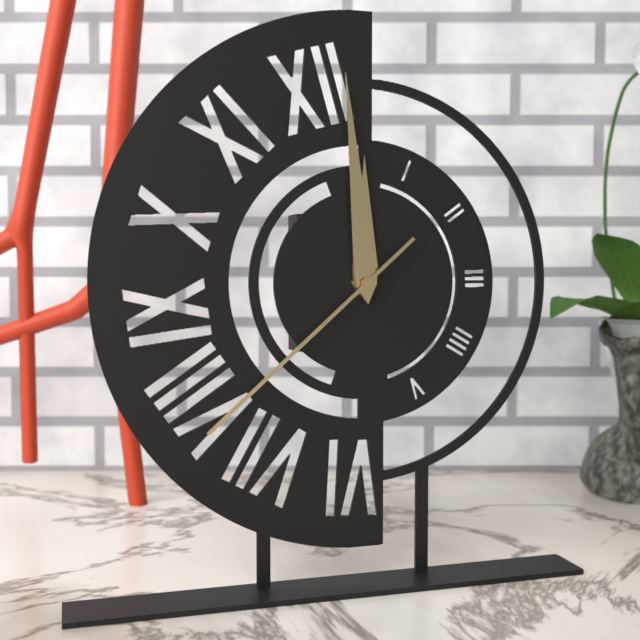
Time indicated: 11:59:38
